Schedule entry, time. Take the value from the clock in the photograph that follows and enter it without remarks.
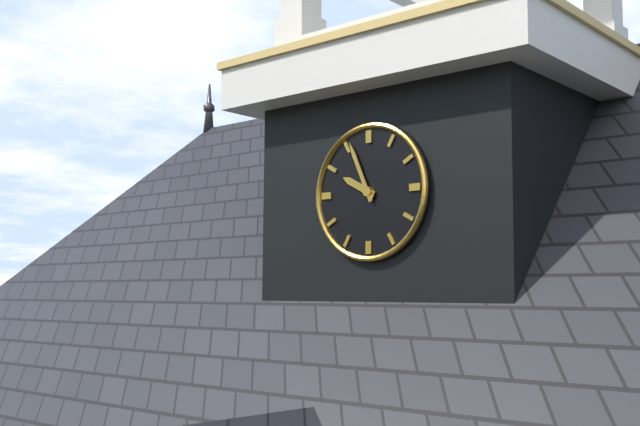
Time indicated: 9:56
